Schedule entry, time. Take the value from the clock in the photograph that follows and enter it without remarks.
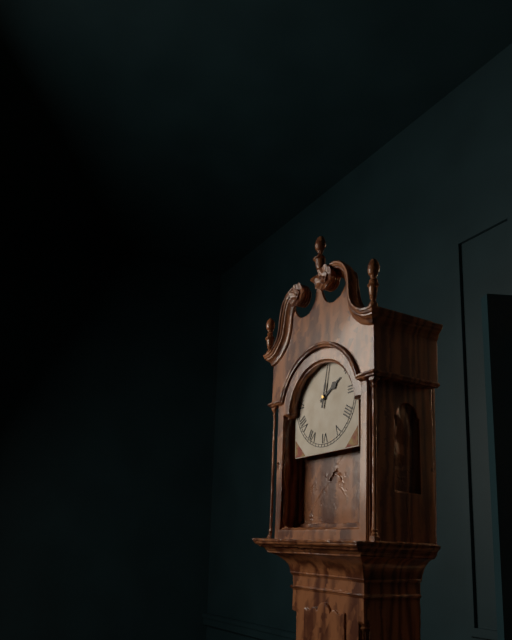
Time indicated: 2:02
